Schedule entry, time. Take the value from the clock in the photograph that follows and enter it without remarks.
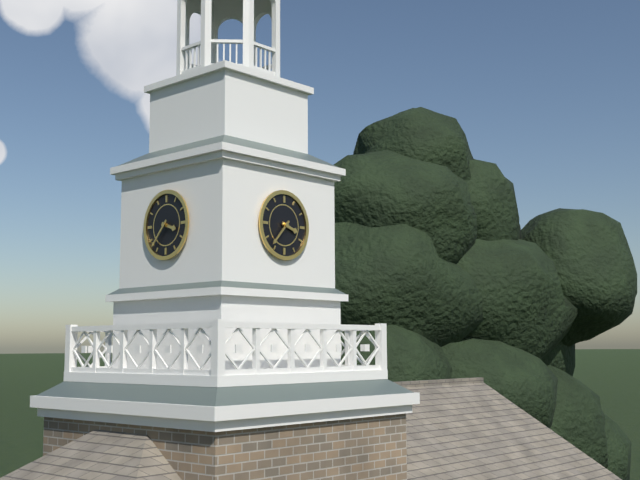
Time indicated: 3:37
